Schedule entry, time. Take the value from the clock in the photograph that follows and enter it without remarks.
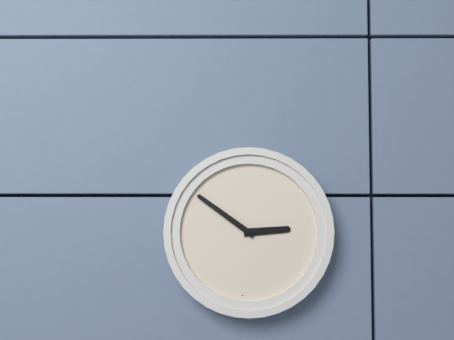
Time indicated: 2:51
